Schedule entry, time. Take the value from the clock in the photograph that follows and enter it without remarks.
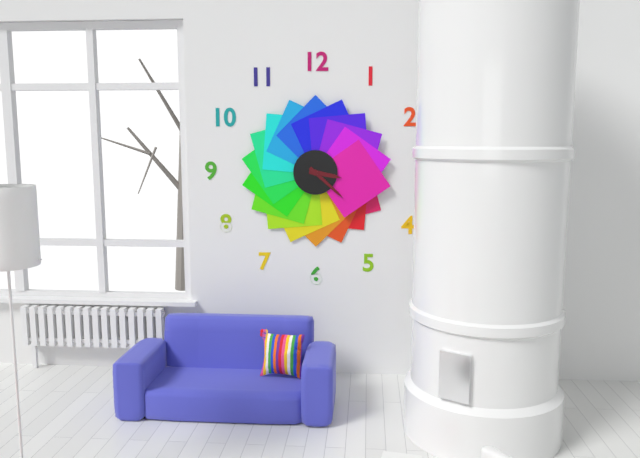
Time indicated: 3:22
